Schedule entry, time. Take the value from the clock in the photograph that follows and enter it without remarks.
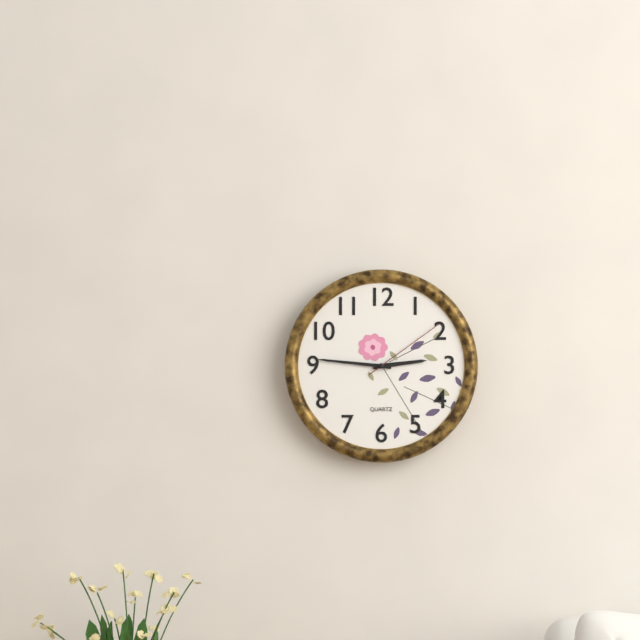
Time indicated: 2:46:09
